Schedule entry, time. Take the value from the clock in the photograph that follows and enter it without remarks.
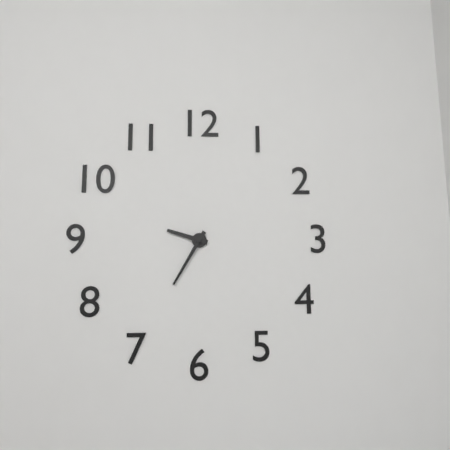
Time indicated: 9:35
